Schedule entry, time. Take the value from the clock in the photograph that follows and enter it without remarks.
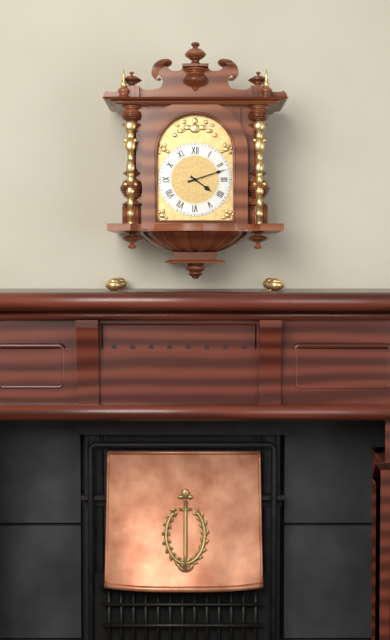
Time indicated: 4:12
